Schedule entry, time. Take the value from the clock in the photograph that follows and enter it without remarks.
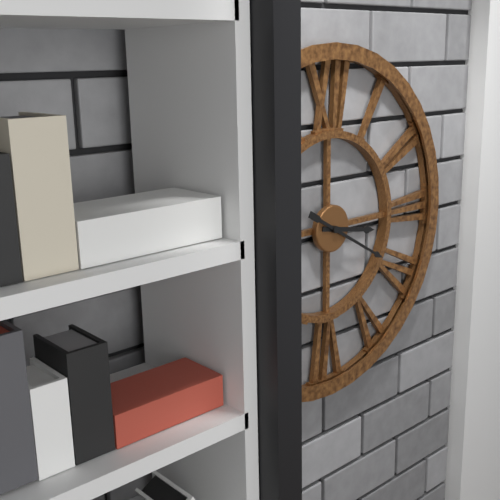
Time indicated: 3:20
